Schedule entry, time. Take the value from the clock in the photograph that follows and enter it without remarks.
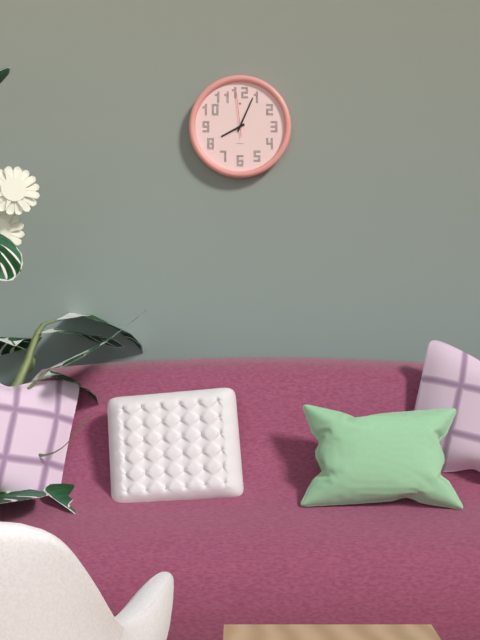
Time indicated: 8:04
